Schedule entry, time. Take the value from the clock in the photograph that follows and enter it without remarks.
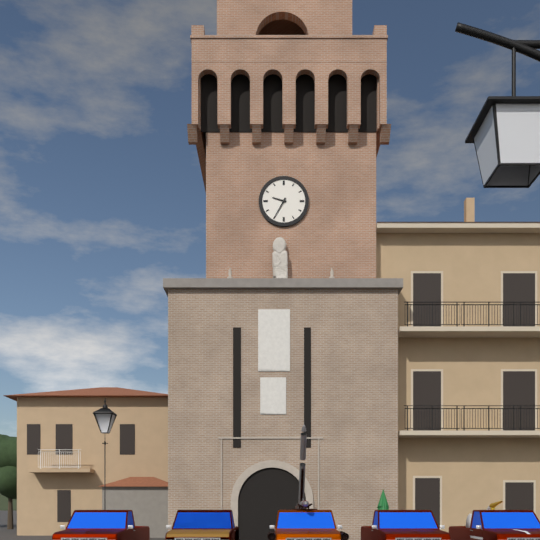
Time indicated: 9:35
